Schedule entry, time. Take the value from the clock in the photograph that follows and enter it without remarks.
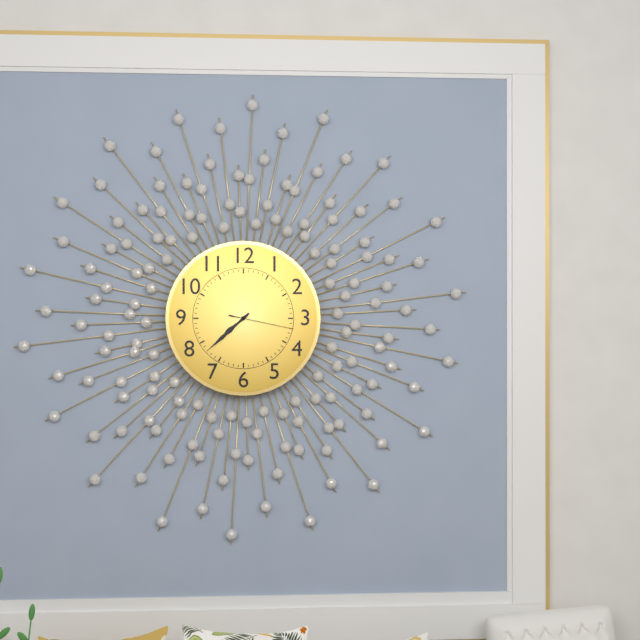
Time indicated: 7:38:17
